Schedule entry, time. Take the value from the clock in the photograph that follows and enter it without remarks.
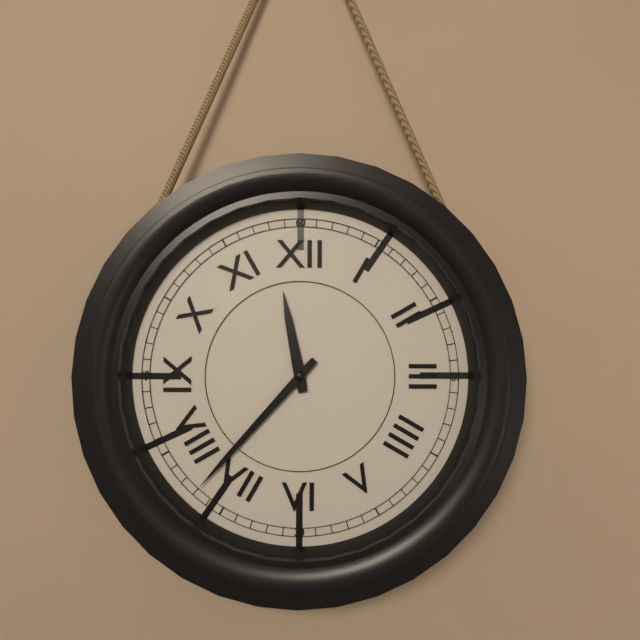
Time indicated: 11:37
